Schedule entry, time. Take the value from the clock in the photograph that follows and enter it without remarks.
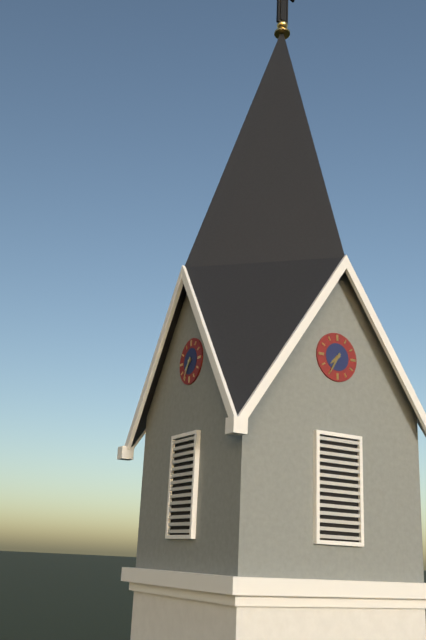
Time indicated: 7:35
